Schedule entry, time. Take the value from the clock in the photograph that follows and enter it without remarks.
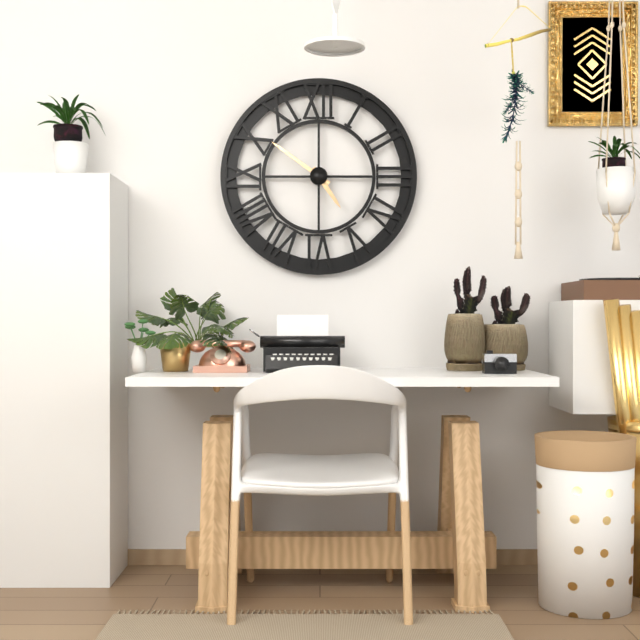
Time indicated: 4:51
